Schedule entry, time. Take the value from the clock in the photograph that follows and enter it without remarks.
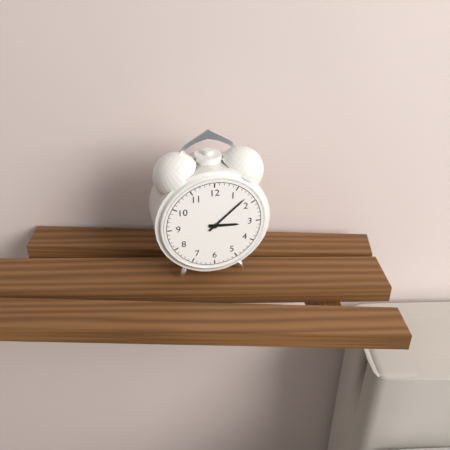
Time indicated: 3:08
